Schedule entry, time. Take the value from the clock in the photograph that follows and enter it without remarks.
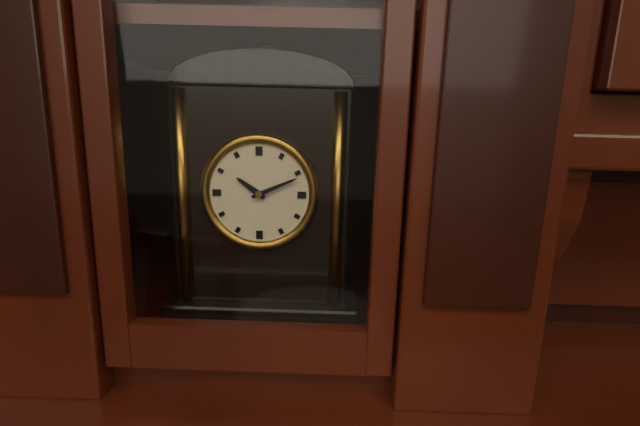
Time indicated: 10:11
